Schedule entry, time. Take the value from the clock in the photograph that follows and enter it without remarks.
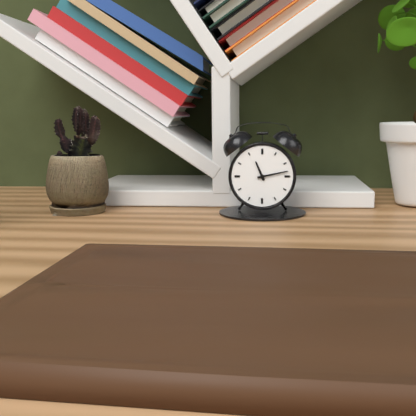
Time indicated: 11:13
